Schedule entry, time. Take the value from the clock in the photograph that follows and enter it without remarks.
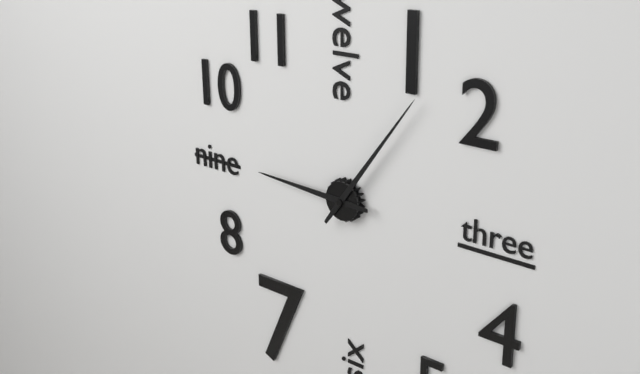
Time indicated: 9:06
